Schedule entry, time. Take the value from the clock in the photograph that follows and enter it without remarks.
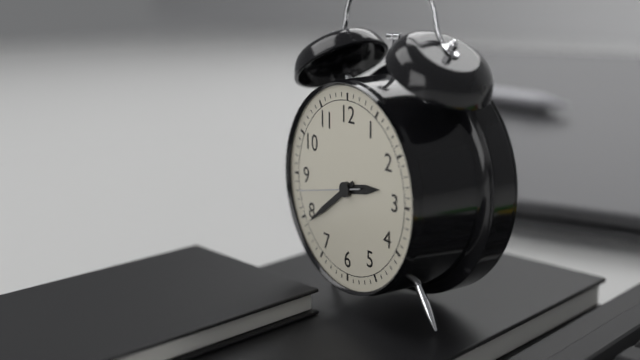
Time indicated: 2:39:43
